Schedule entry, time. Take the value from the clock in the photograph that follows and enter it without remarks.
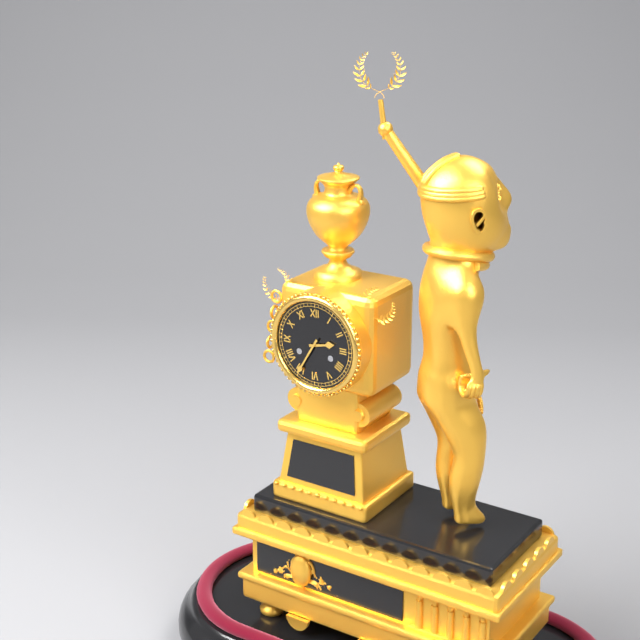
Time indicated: 2:35
